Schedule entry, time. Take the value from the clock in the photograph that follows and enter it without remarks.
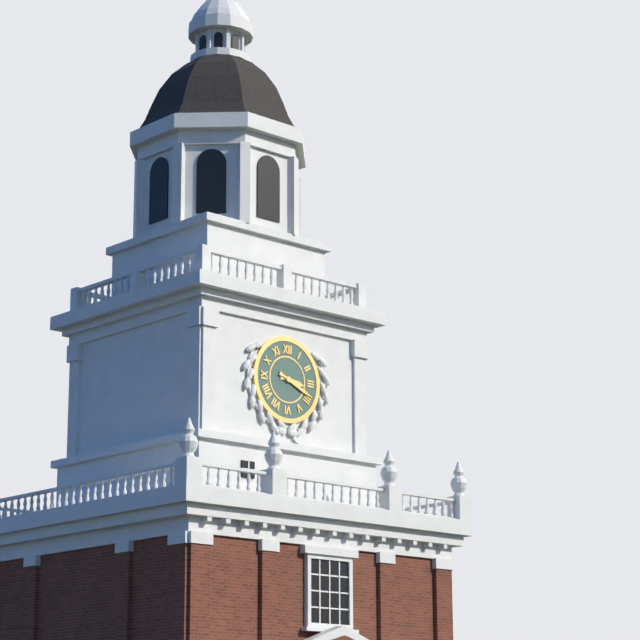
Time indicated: 3:19
